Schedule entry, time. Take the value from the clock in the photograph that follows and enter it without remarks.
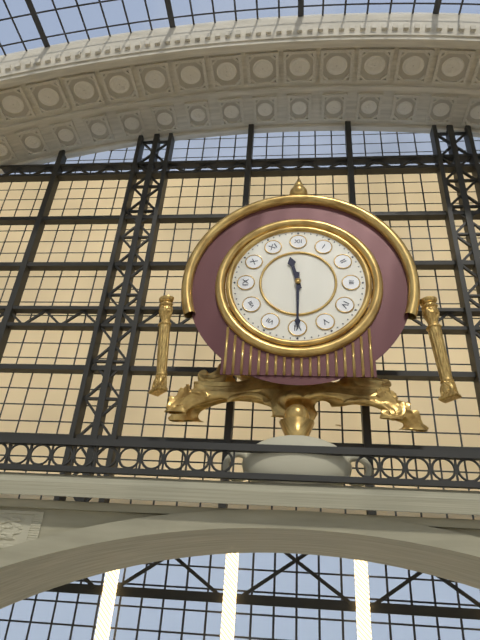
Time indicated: 11:30
